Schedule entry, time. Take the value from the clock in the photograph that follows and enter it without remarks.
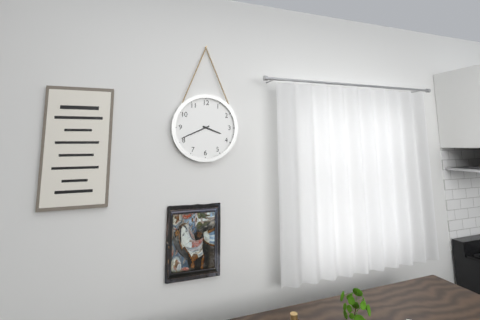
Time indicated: 3:41
